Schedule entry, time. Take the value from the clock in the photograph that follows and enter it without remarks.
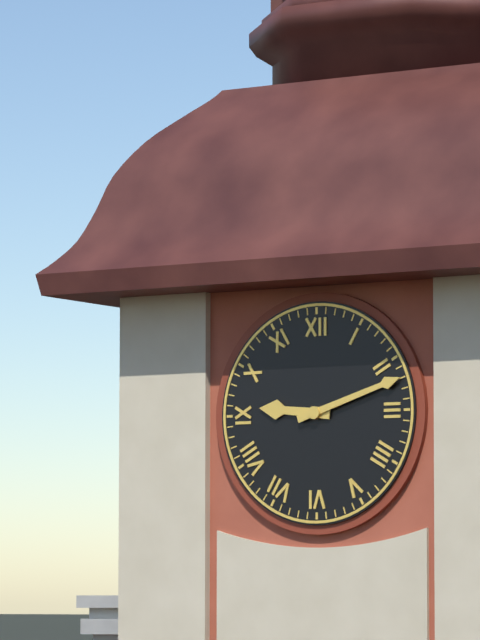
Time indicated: 9:12
